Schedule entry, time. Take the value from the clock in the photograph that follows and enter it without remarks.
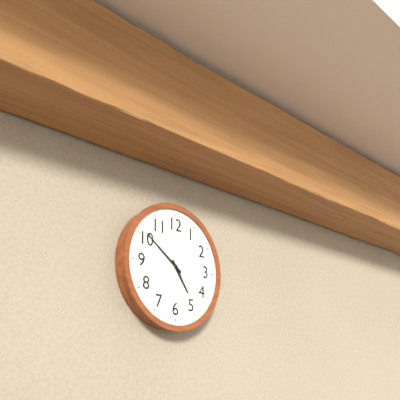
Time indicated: 4:51
